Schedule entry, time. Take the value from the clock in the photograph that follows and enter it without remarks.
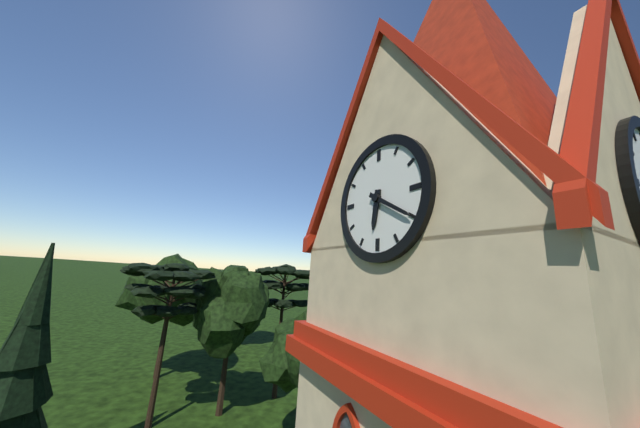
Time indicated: 6:20
